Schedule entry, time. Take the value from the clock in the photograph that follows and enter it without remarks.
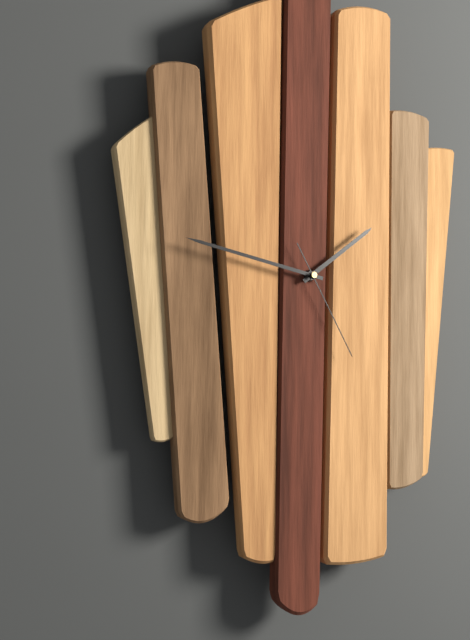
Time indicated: 1:47:25
